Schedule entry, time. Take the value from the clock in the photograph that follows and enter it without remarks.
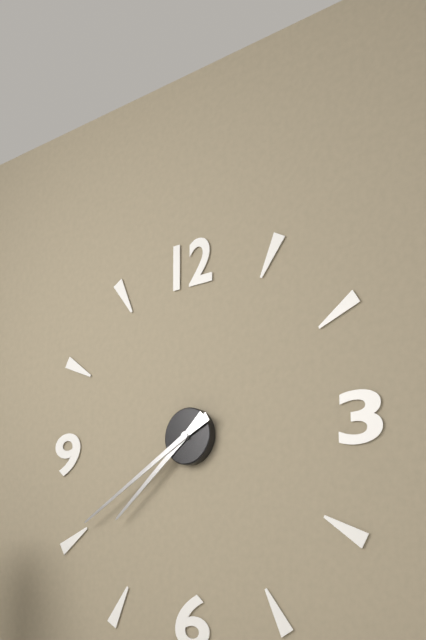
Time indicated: 7:40
